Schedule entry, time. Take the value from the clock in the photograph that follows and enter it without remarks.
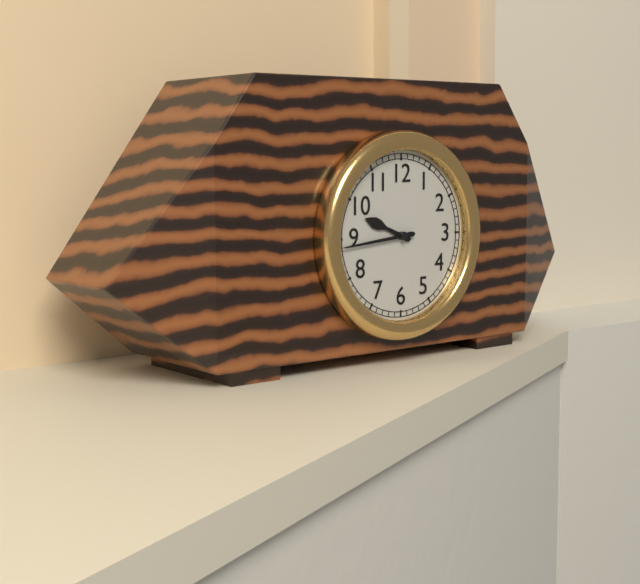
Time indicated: 9:44
